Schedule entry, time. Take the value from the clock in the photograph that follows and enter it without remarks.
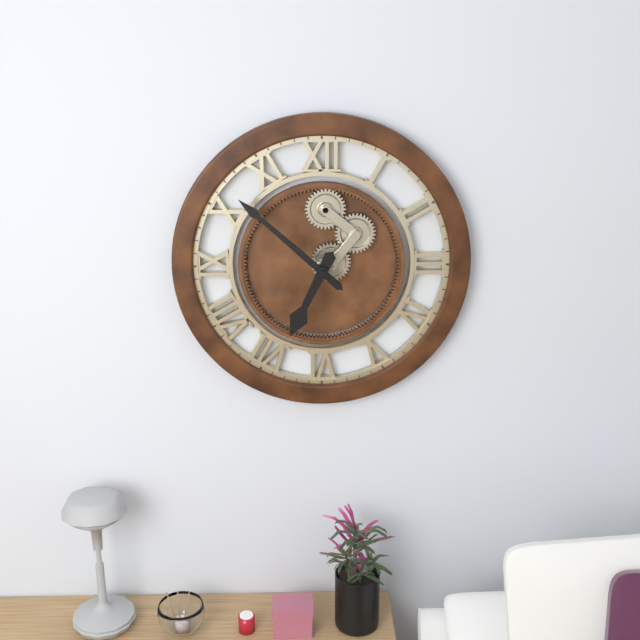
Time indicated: 6:52
